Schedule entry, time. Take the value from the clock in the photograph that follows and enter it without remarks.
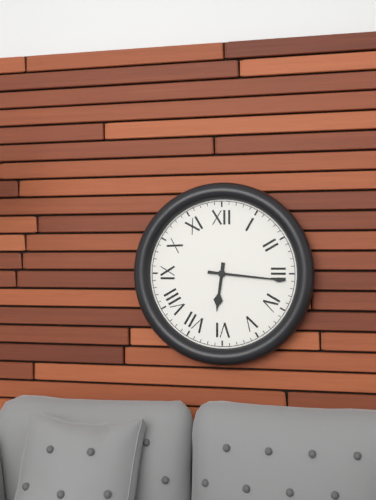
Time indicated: 6:16
